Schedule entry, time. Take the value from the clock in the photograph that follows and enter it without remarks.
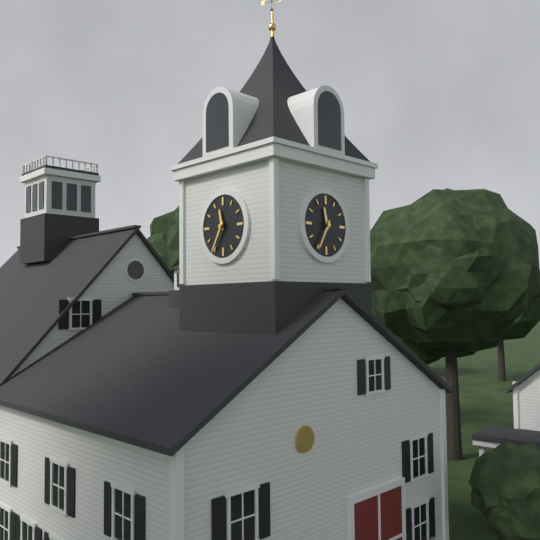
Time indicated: 11:35
